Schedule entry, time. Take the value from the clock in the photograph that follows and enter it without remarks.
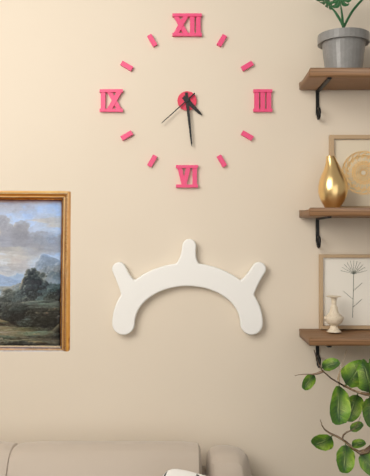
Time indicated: 4:29
